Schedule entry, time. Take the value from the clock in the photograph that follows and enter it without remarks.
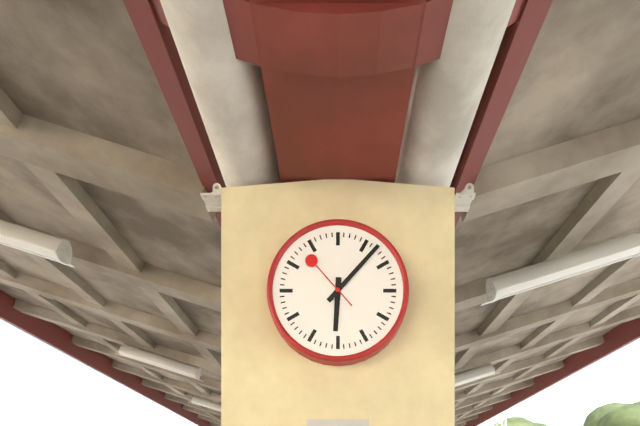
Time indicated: 6:07:53
